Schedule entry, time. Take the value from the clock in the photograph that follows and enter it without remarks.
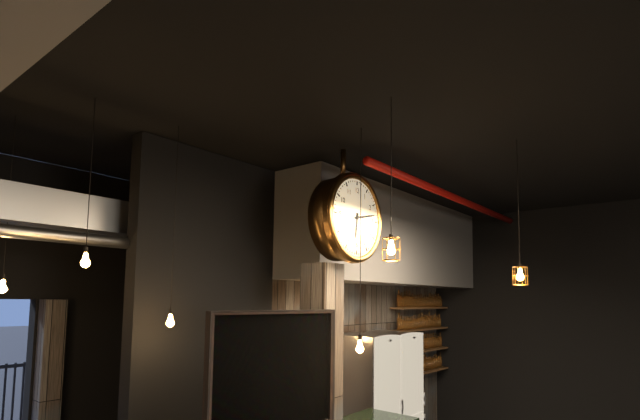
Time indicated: 6:13
